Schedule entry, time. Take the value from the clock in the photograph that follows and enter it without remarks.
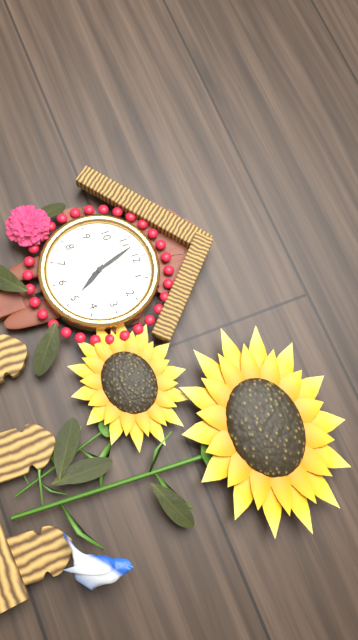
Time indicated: 4:57
